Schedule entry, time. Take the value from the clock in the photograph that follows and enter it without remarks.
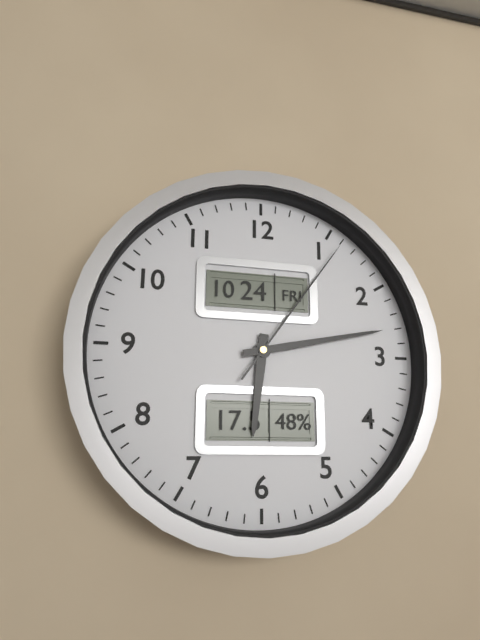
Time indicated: 6:13:06
